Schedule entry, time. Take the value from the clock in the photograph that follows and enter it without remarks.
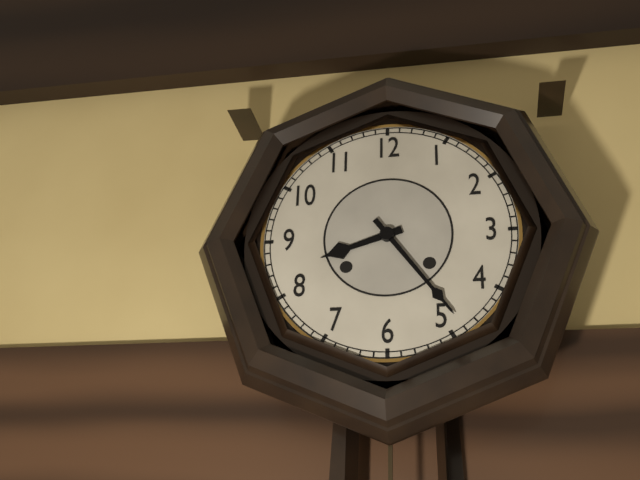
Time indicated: 8:24
